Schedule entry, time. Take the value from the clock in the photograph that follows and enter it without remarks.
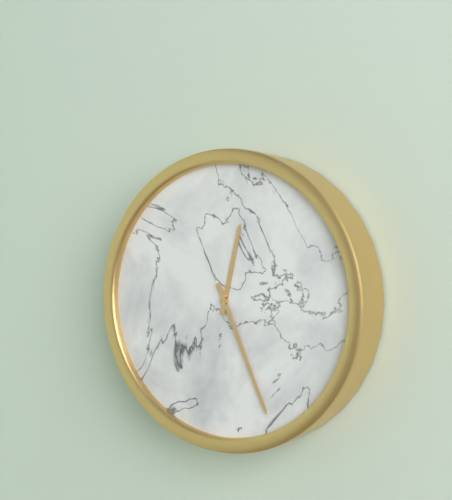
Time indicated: 12:26
